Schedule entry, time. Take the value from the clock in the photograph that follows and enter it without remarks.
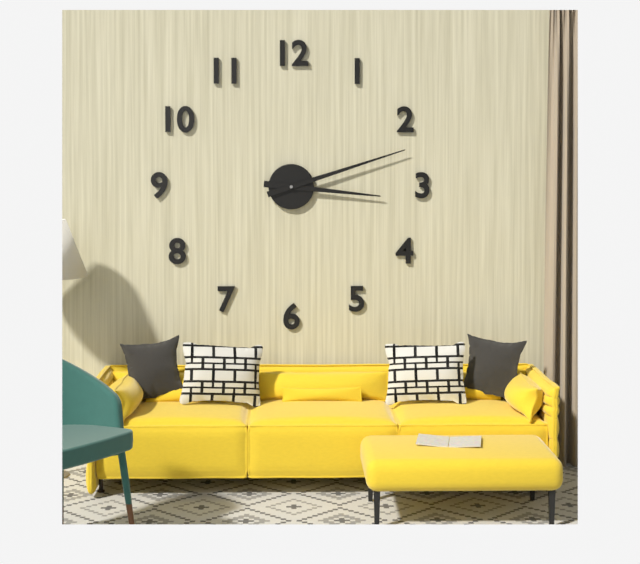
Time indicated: 3:12
